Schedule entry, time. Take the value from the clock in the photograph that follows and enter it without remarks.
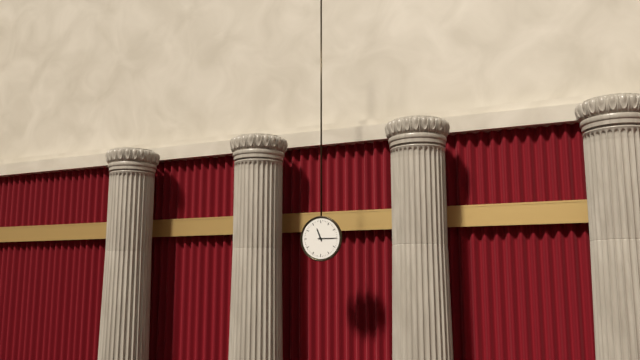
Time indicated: 11:15
